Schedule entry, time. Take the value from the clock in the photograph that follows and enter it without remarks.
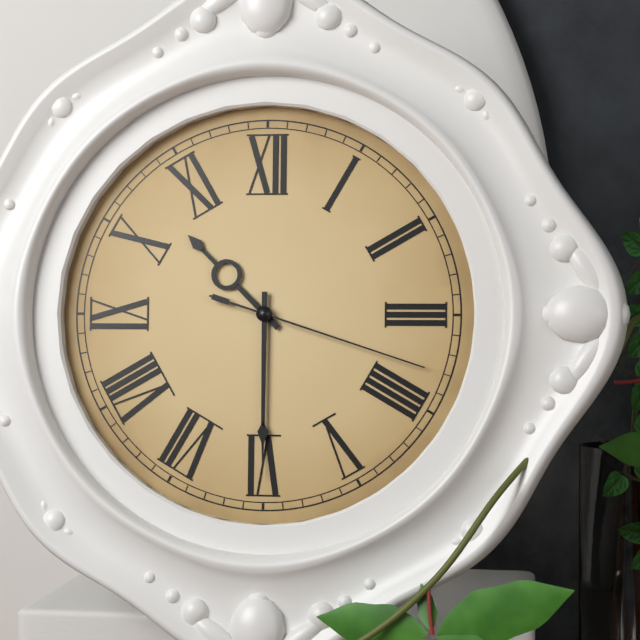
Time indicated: 10:30:18
